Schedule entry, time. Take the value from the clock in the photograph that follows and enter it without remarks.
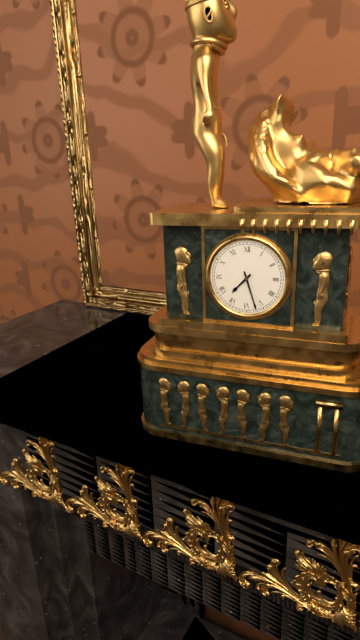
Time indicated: 7:27
